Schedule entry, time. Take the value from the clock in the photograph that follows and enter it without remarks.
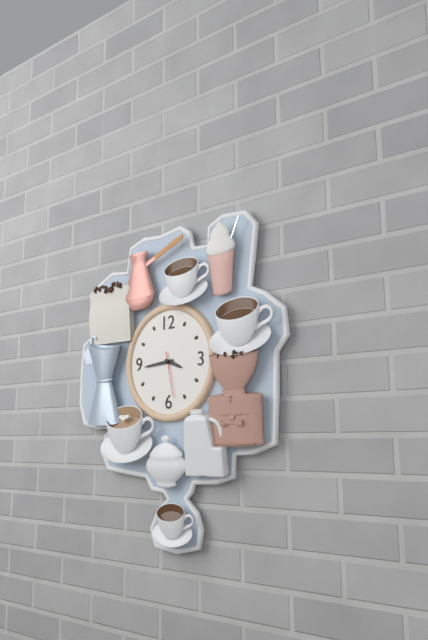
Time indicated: 3:44
